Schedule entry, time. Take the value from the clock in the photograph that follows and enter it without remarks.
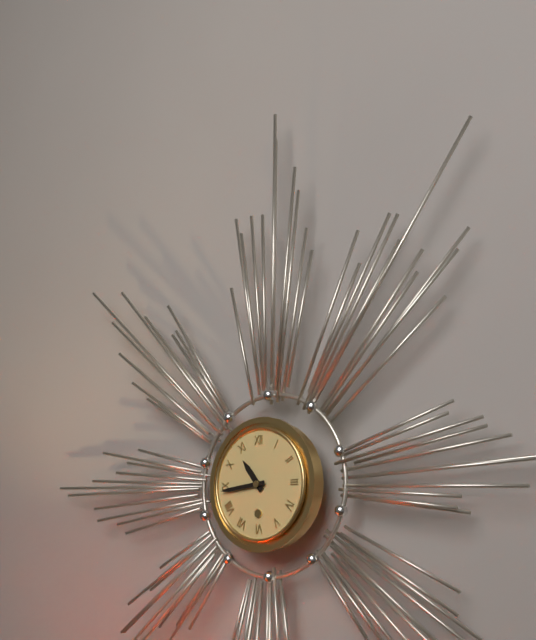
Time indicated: 10:44
